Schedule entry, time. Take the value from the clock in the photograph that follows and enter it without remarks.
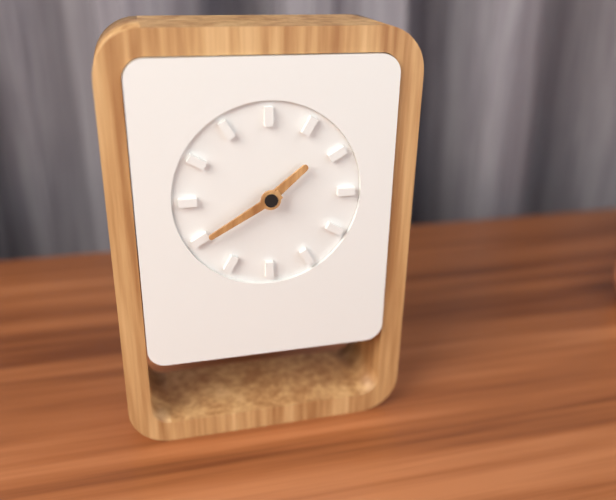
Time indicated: 1:40
